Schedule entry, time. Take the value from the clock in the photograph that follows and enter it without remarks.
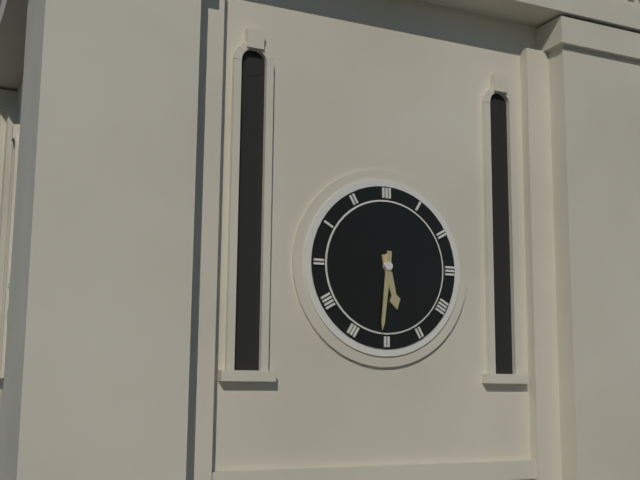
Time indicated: 5:31
